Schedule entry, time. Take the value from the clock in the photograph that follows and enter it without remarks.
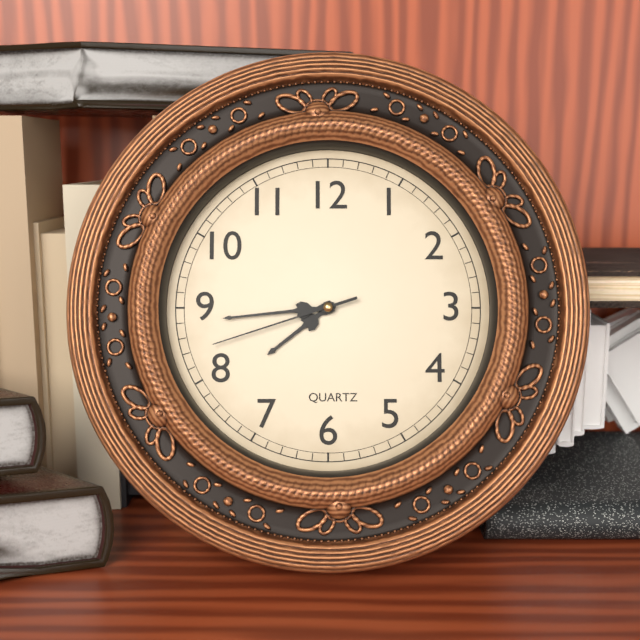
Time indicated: 7:44:42
